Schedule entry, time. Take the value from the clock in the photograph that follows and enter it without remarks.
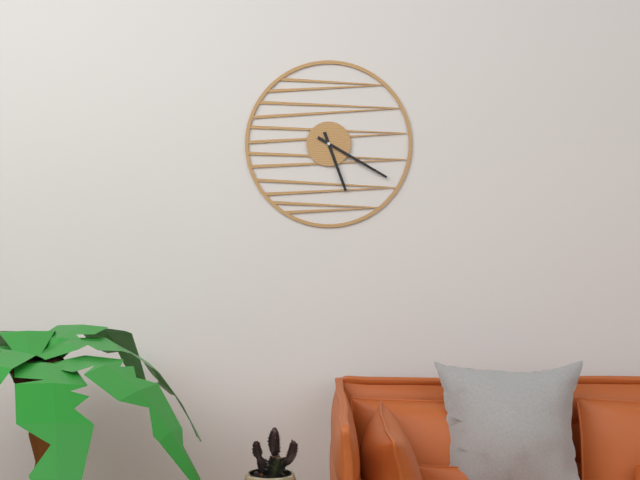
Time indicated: 5:20
